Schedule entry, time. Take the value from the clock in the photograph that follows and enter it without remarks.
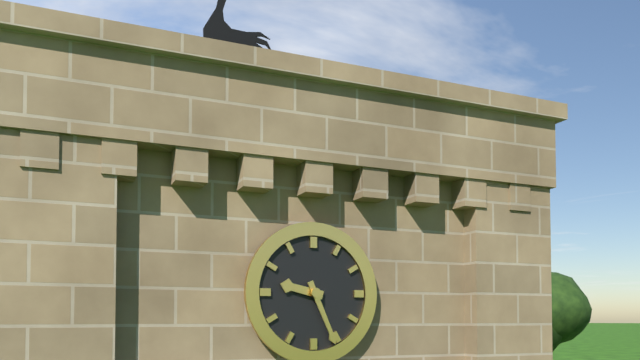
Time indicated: 9:26
